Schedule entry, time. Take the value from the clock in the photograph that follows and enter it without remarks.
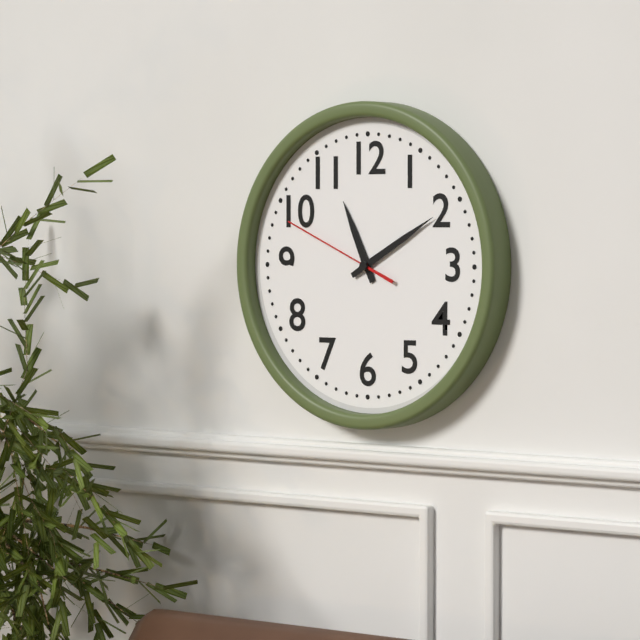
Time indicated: 11:10:49
